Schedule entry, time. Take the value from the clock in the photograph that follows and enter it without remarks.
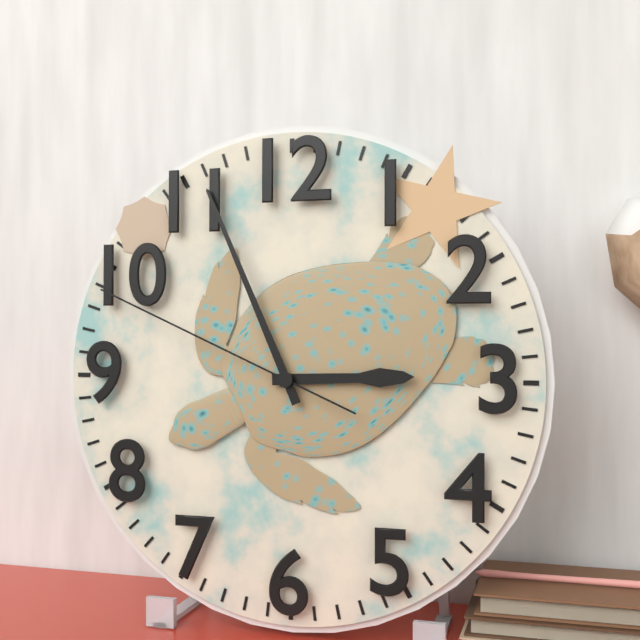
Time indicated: 2:56:49
